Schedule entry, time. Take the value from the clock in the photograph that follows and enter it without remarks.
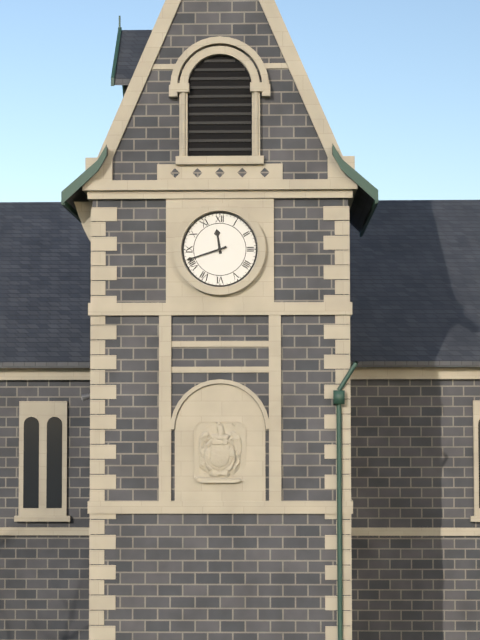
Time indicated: 11:42
